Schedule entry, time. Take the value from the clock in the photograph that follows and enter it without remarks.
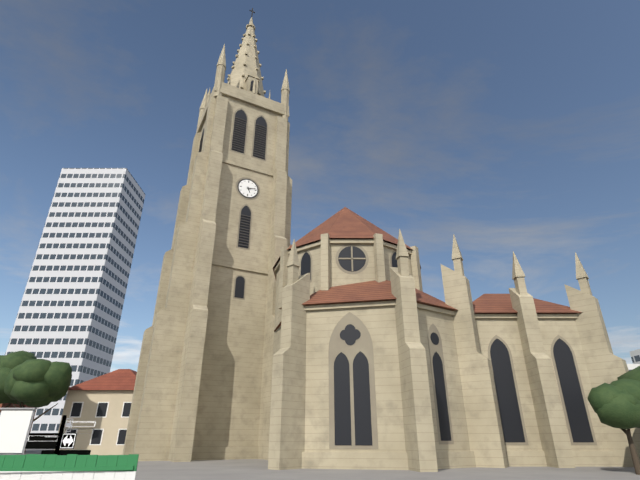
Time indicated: 5:13
